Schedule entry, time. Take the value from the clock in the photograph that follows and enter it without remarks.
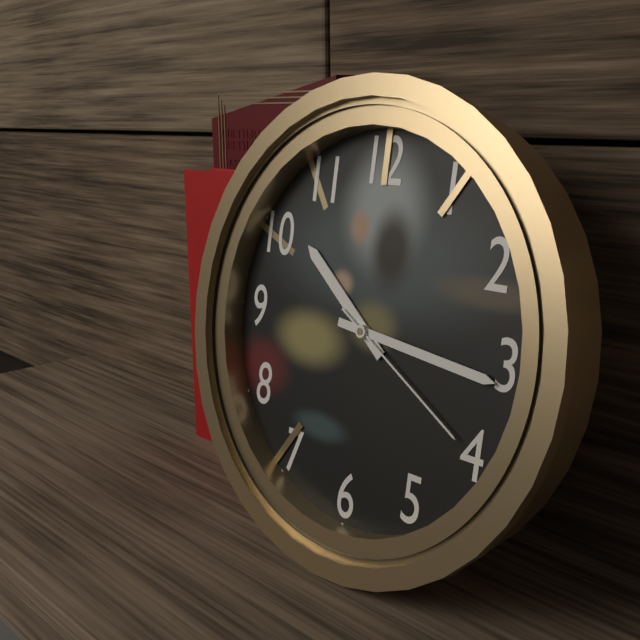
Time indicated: 10:16:20
